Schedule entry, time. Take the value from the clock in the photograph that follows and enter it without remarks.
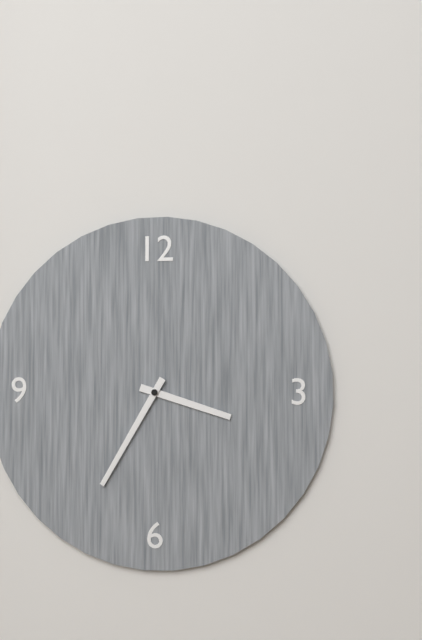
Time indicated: 3:35
